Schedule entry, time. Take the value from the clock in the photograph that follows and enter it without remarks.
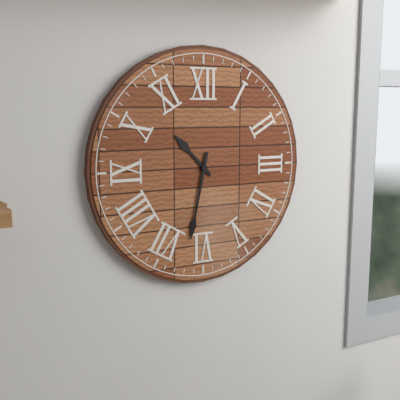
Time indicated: 10:32
